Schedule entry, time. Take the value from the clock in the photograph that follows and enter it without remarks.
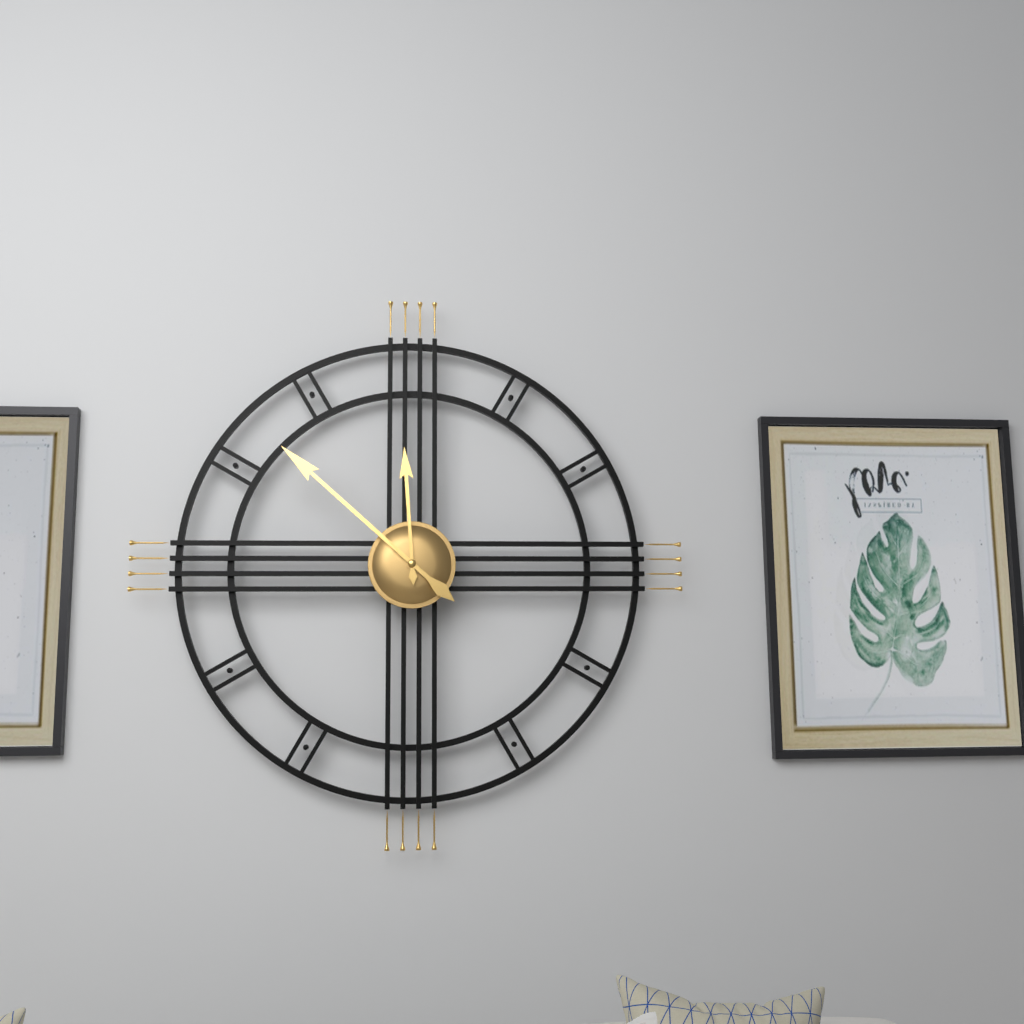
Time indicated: 11:52
